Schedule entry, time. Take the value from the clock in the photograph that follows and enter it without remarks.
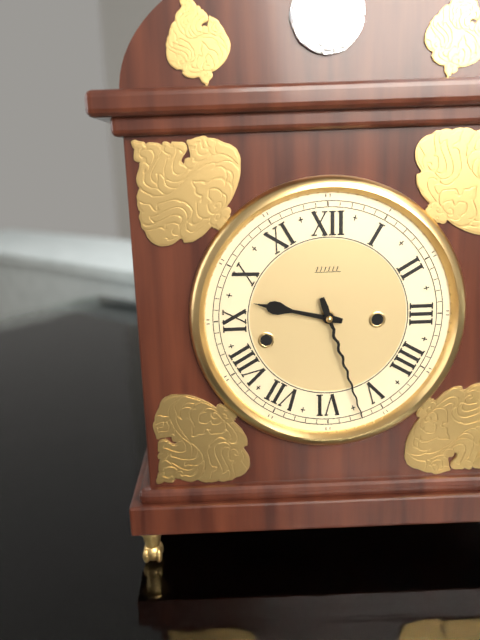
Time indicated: 9:27
